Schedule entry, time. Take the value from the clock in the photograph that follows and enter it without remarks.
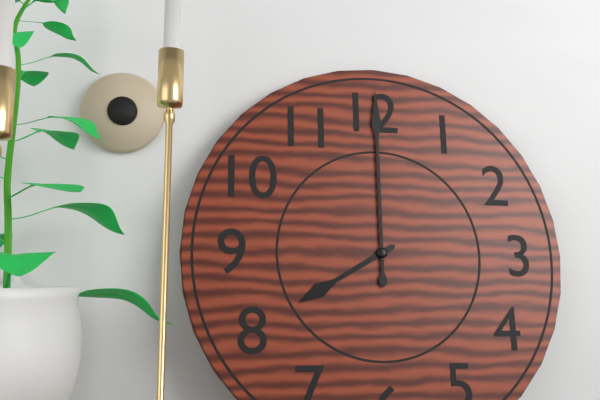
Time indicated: 8:00
